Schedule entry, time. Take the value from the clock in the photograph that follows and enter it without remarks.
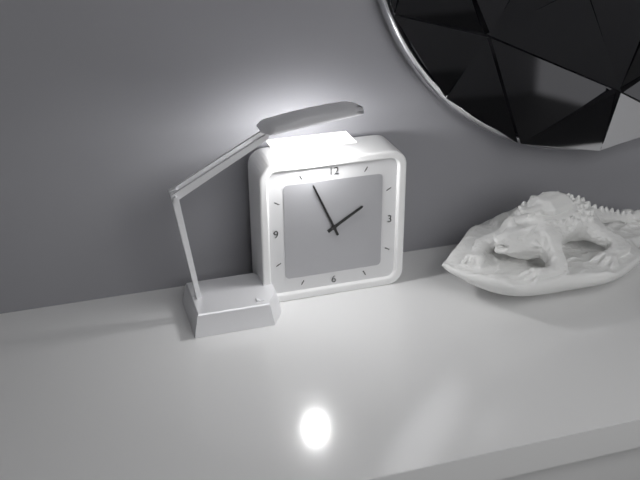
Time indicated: 1:56
